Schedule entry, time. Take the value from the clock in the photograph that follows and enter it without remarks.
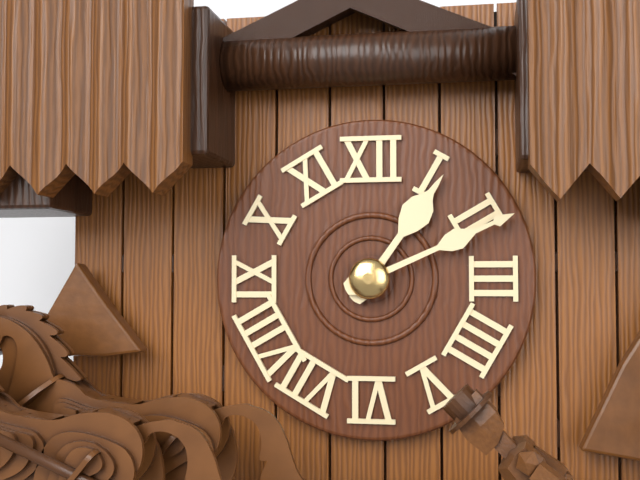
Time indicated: 1:11
